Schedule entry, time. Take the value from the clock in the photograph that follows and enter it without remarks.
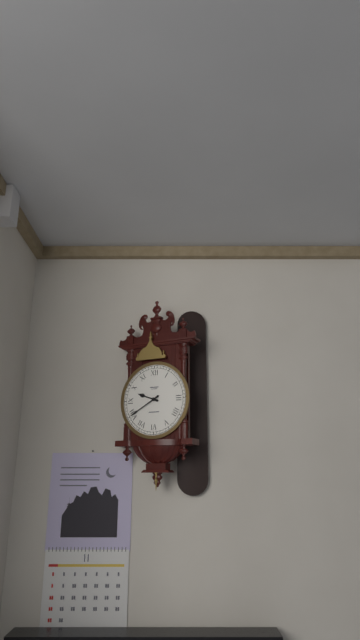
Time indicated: 9:40
